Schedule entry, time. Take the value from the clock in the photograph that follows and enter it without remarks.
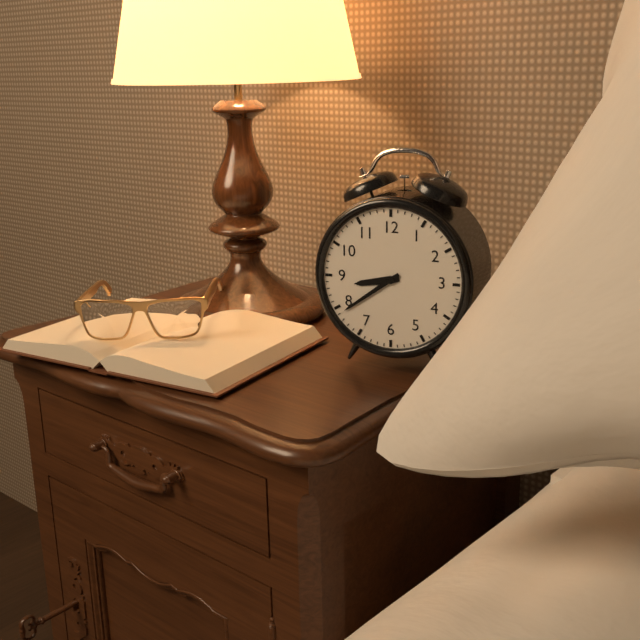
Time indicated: 8:39
